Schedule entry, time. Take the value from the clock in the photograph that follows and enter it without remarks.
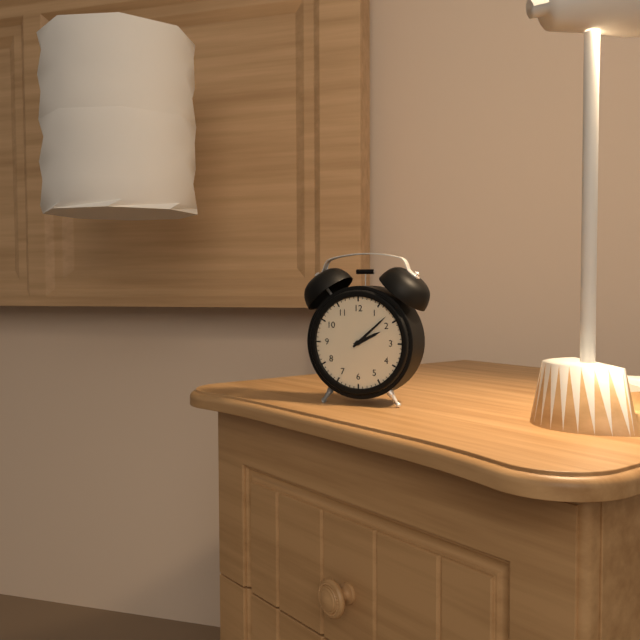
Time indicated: 2:08
